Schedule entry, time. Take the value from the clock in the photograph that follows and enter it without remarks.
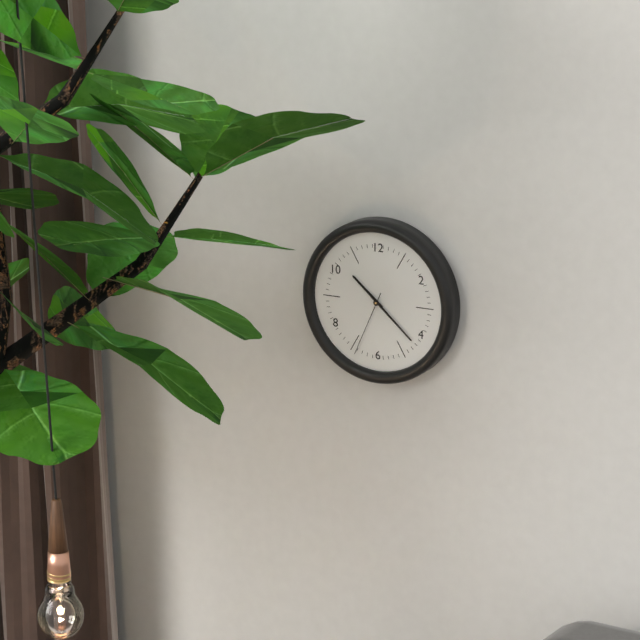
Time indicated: 10:22:34
